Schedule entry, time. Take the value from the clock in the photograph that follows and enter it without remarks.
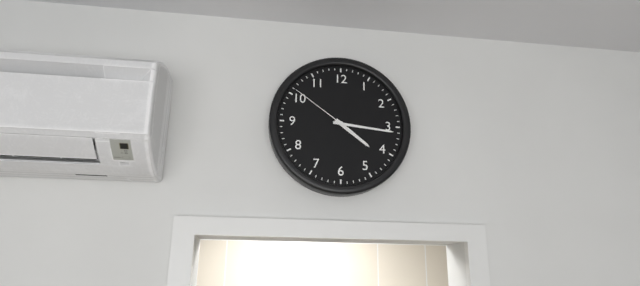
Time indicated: 4:16:51
